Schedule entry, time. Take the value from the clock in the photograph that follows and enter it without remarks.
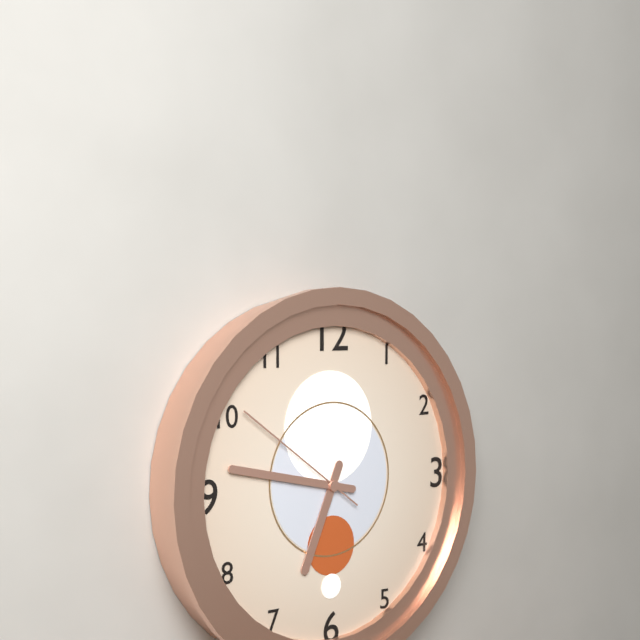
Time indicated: 6:47:51
